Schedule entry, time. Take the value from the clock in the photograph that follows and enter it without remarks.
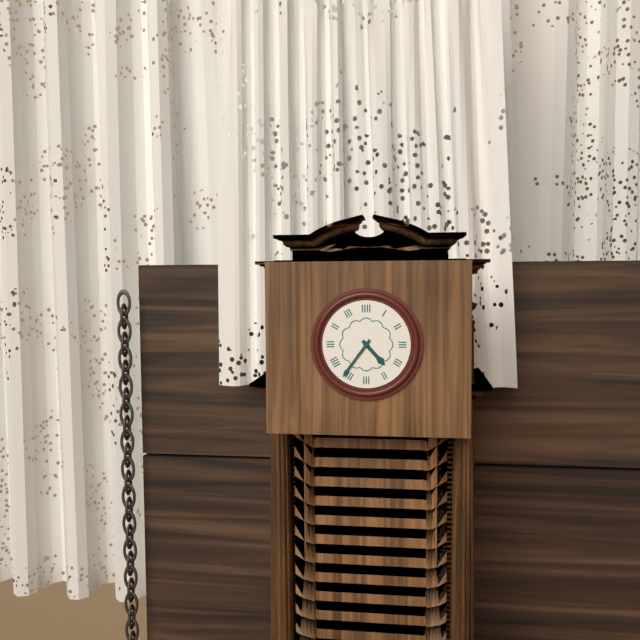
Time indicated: 4:36
